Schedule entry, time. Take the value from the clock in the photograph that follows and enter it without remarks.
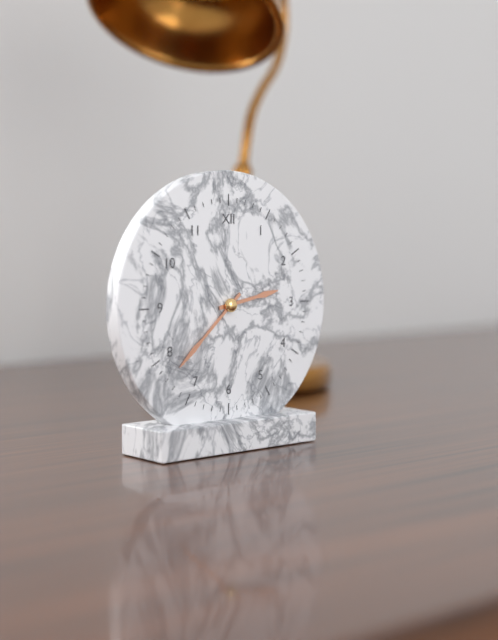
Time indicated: 2:38
